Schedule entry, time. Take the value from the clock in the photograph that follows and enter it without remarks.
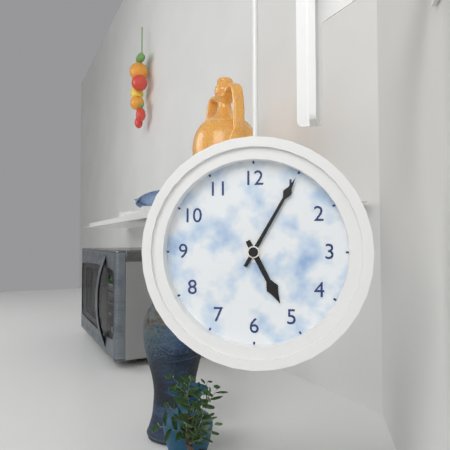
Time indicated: 5:05
